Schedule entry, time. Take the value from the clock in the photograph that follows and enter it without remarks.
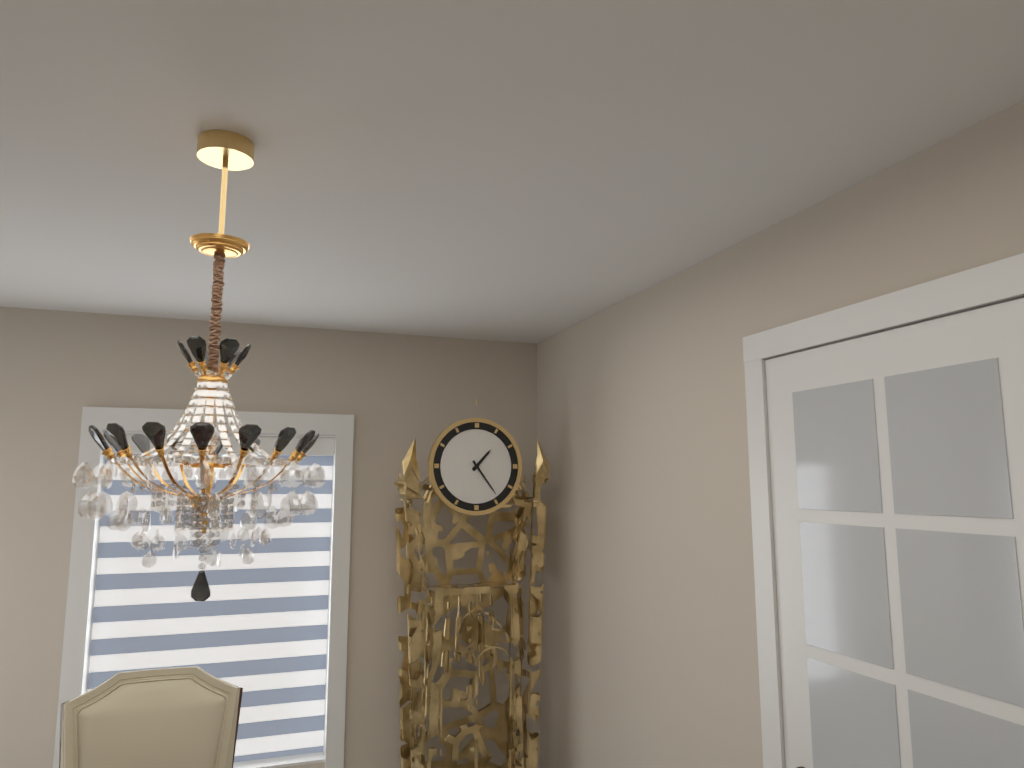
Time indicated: 1:24
